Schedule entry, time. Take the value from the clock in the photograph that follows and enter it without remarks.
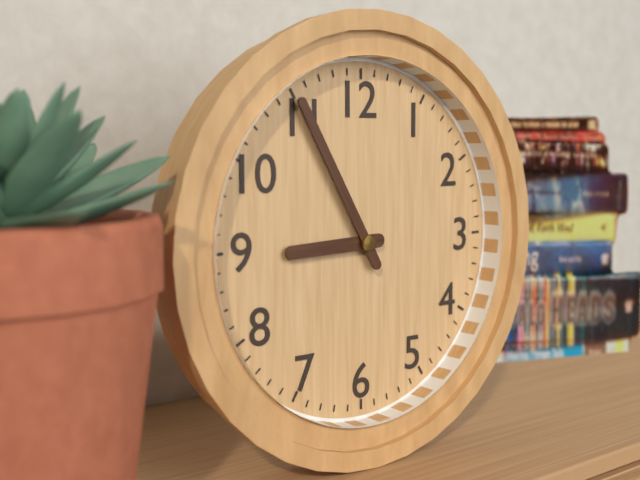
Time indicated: 8:55
